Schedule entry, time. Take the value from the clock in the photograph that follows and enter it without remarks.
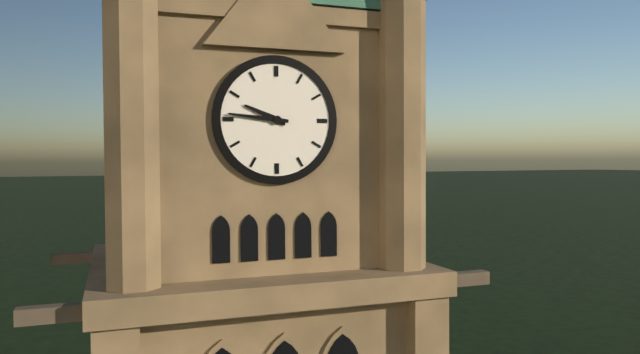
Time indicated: 9:46
